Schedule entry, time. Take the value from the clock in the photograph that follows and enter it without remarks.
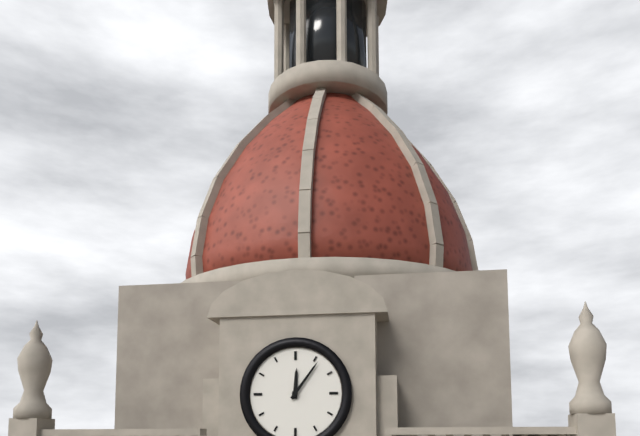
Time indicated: 12:06
